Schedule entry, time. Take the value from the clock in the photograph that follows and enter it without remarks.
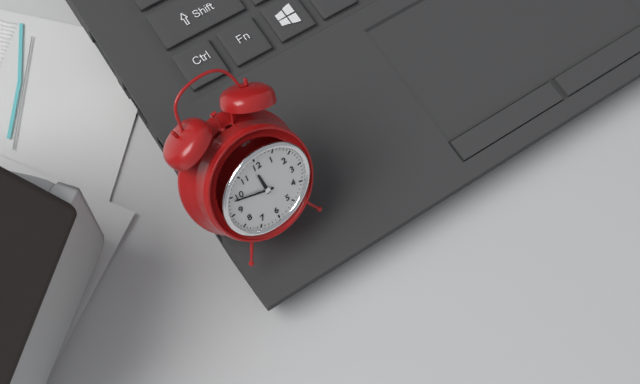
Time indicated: 11:49
